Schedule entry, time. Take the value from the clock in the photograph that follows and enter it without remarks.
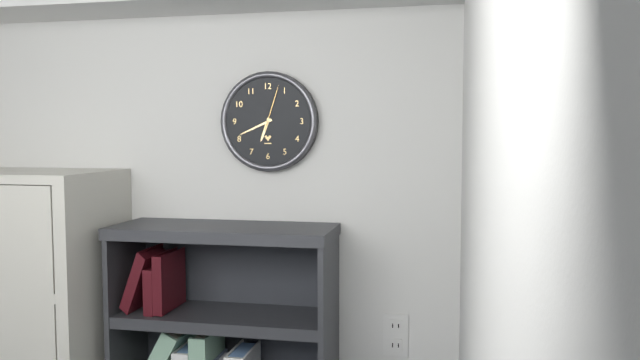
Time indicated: 6:41
